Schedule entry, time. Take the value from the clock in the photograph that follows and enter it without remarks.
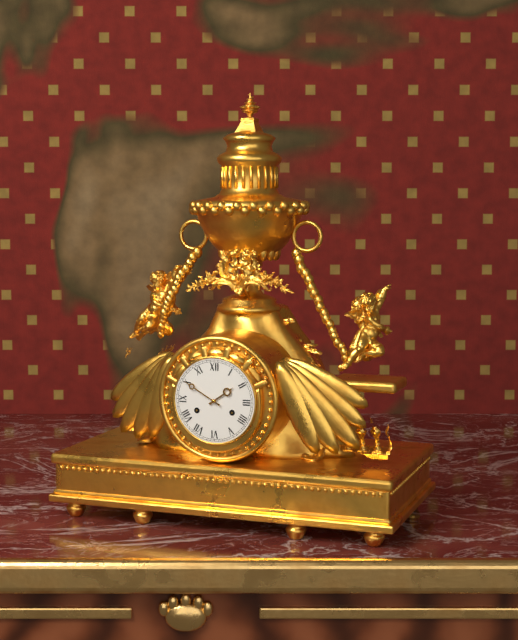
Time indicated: 1:50
